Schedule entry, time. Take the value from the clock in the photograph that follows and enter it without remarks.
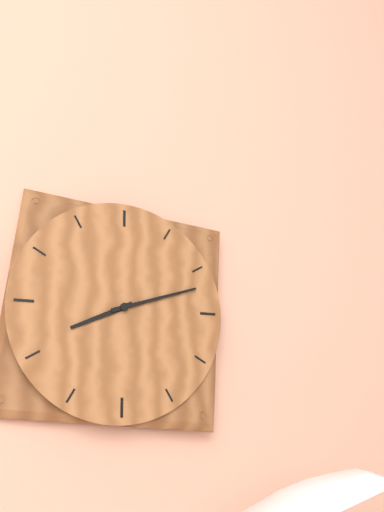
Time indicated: 8:12
